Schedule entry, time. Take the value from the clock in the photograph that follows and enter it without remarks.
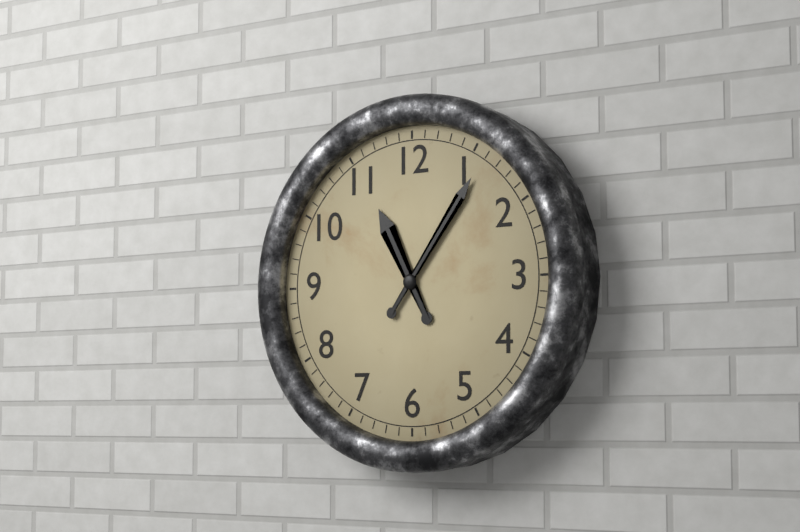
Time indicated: 11:06
